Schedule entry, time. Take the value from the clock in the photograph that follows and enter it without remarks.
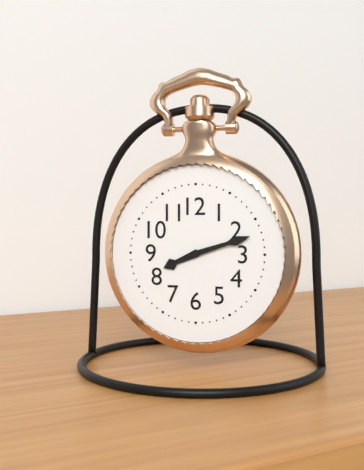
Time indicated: 8:12
